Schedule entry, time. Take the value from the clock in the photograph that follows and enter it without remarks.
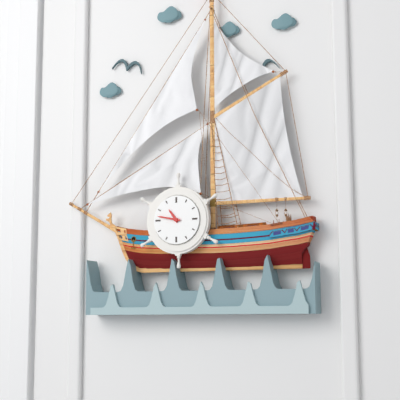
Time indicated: 10:47
